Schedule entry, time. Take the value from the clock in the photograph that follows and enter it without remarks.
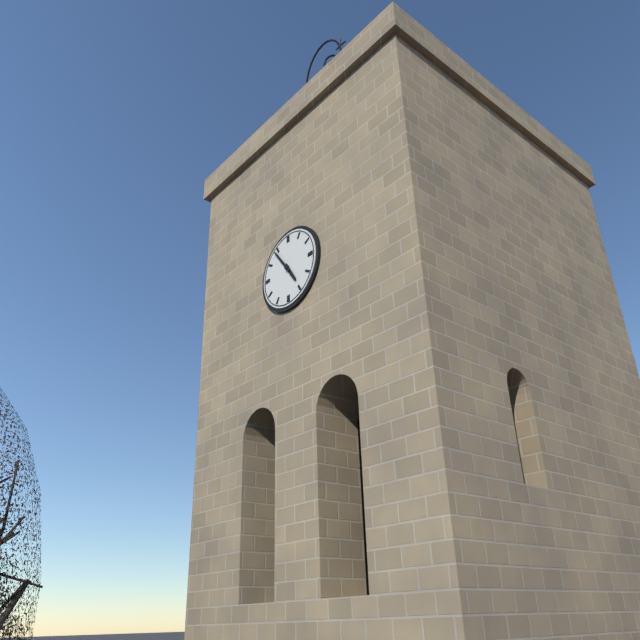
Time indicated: 4:54
